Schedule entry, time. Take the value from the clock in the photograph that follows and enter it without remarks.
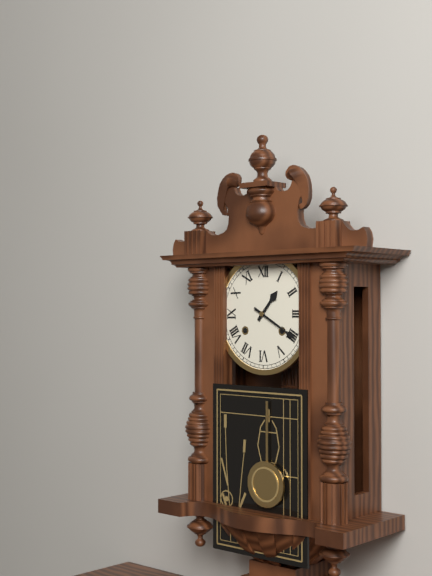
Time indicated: 1:20
